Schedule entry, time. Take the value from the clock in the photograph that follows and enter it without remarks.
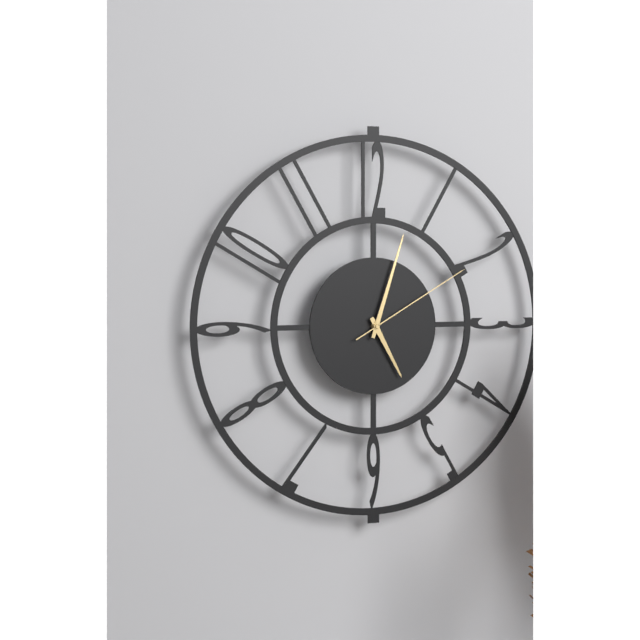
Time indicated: 5:03:10
